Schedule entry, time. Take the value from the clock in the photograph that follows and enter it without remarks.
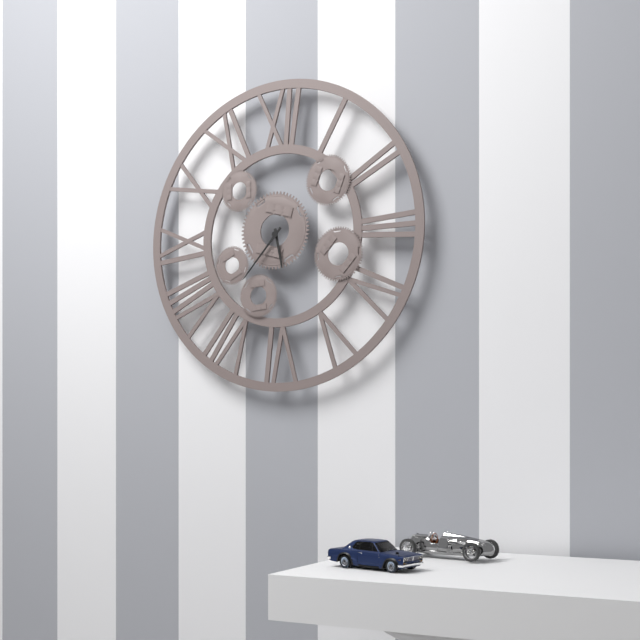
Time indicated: 5:37
